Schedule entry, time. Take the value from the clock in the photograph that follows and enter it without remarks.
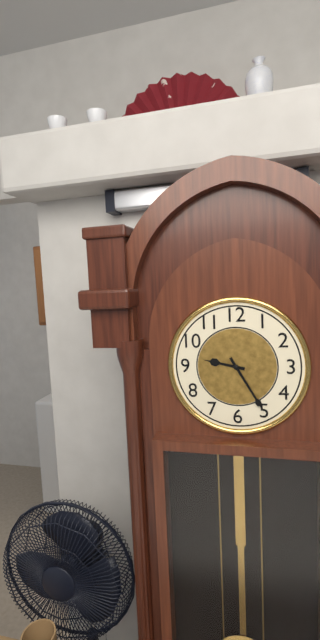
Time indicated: 9:25
